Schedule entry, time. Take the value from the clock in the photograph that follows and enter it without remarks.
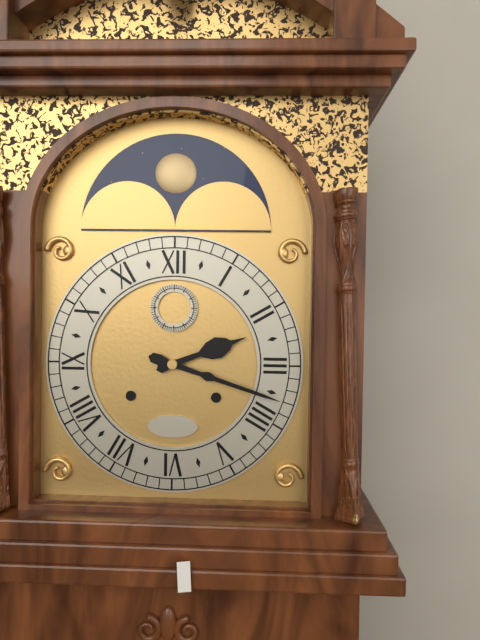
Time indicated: 2:18
